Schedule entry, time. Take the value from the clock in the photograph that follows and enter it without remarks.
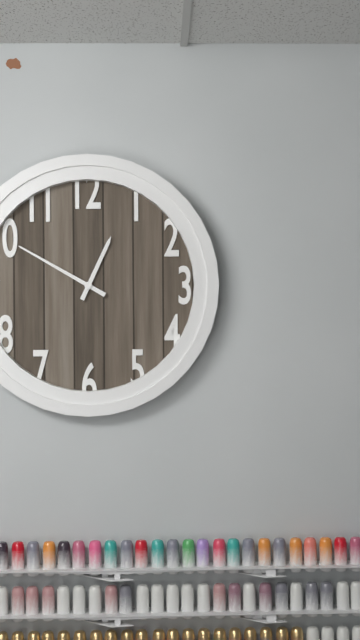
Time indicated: 12:50
